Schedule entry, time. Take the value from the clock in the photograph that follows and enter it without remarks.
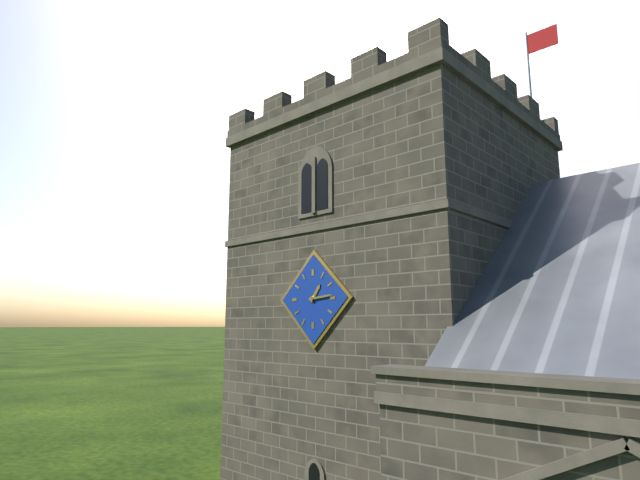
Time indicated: 1:14
